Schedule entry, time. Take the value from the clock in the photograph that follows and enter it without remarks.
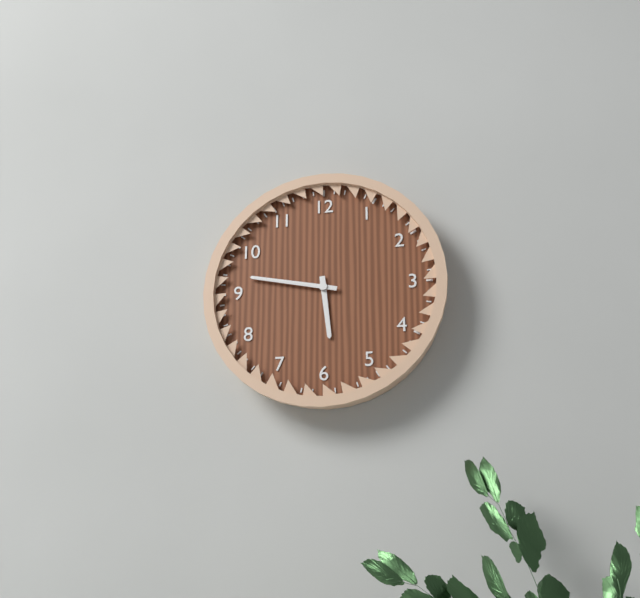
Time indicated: 5:47
